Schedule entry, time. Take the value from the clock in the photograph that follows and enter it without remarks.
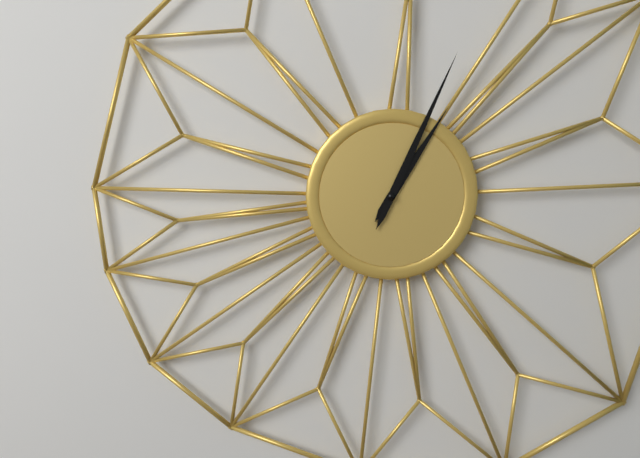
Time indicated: 1:04
